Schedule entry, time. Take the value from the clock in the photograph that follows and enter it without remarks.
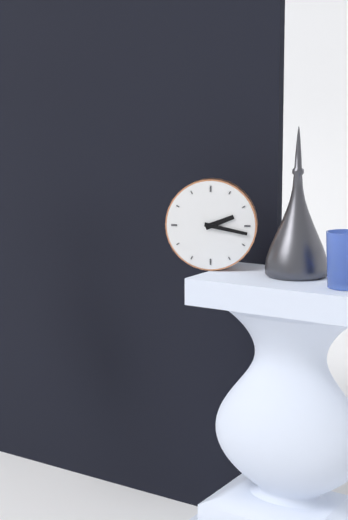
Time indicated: 2:17
